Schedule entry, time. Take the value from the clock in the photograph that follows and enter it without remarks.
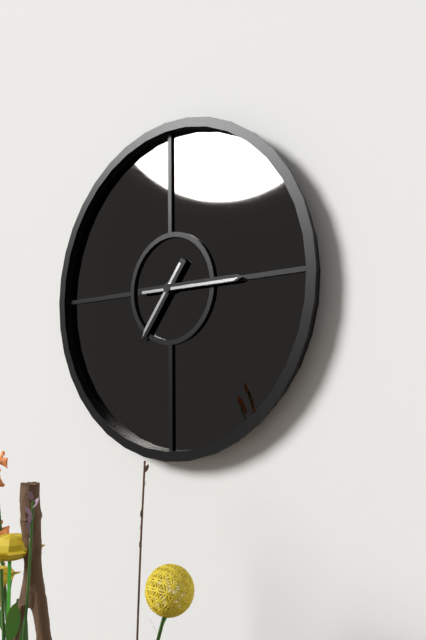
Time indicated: 7:15
